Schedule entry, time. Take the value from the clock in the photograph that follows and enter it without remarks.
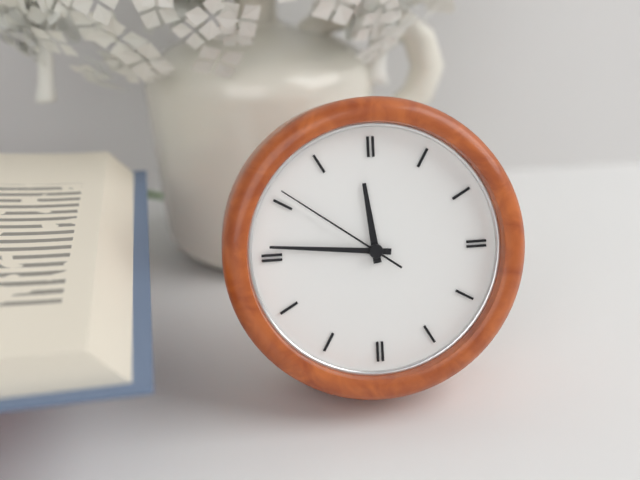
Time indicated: 11:46:51
